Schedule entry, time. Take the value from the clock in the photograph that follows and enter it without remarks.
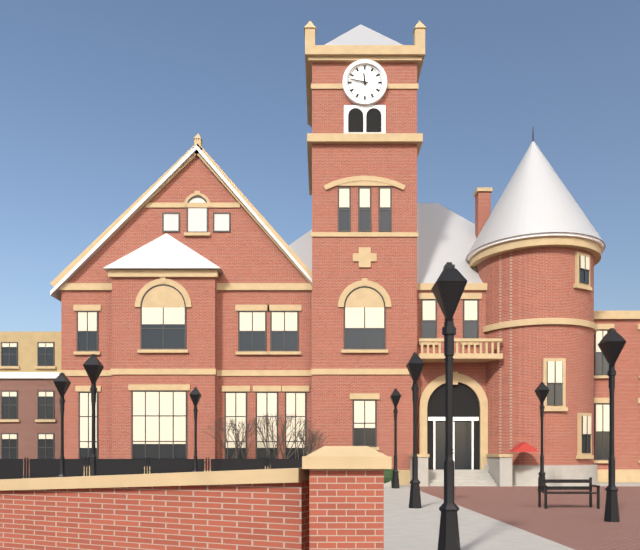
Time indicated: 11:47
